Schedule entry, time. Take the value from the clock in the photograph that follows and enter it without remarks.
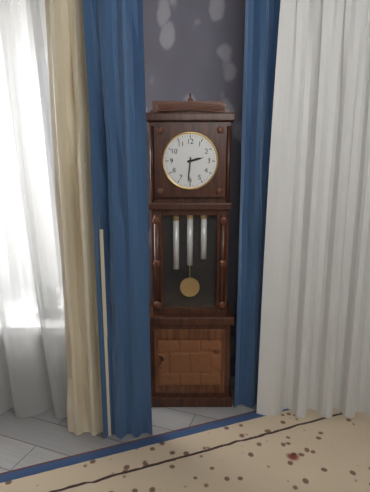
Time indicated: 2:31
